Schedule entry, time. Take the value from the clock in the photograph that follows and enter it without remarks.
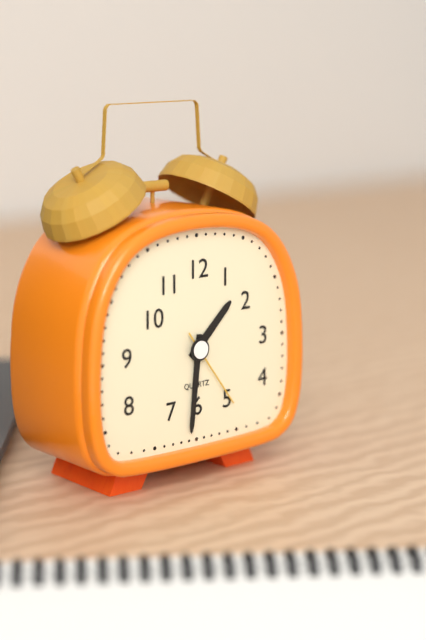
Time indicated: 1:31:24
